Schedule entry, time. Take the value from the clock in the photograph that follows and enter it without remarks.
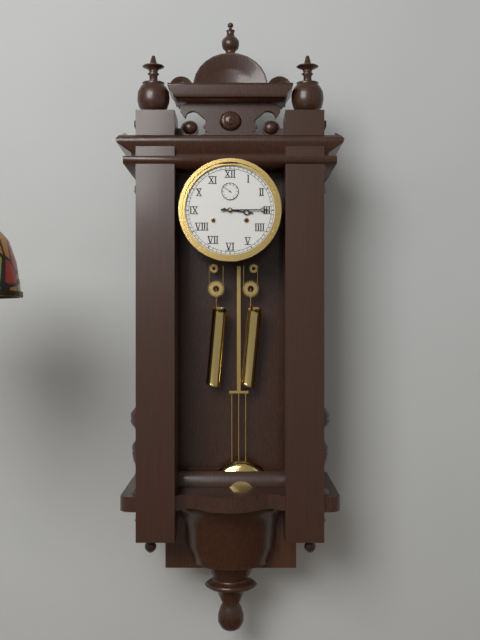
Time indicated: 3:15
